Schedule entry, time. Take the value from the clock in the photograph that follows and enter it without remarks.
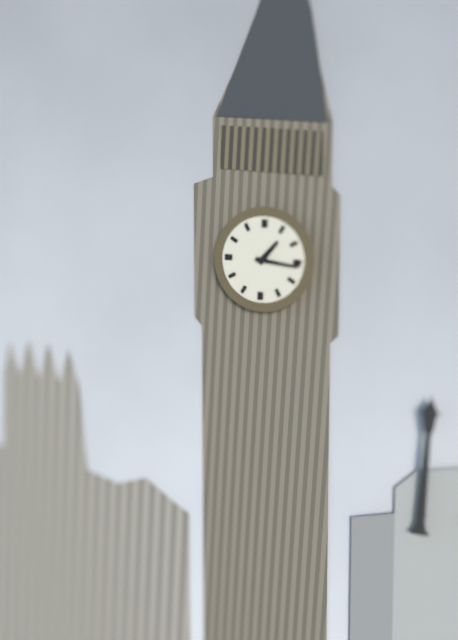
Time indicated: 1:16
